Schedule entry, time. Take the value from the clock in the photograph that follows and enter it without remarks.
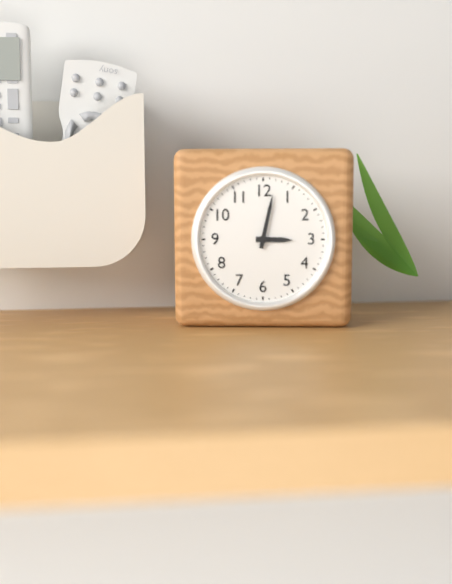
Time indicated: 3:02
